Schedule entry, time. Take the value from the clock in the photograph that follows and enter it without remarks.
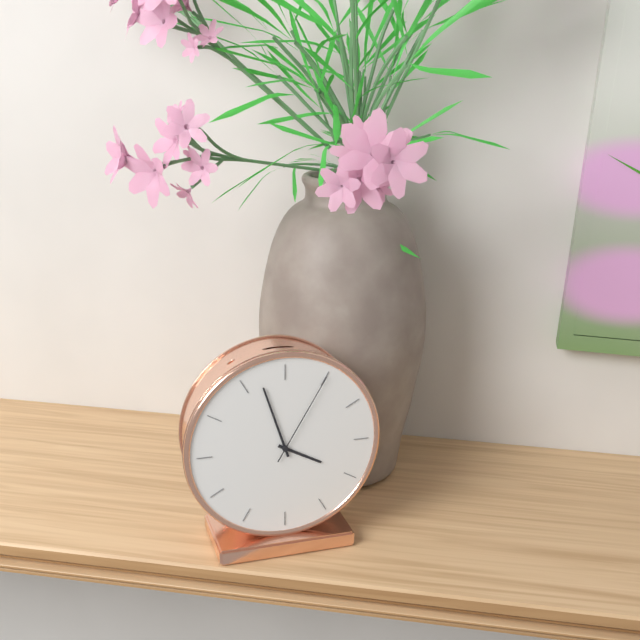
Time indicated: 3:57:05
